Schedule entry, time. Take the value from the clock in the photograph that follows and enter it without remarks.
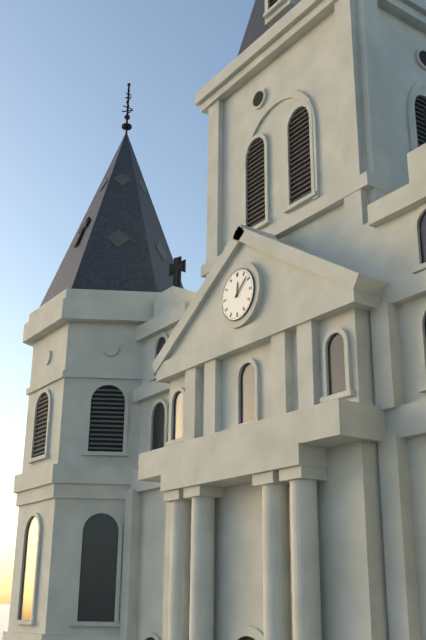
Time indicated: 12:08
